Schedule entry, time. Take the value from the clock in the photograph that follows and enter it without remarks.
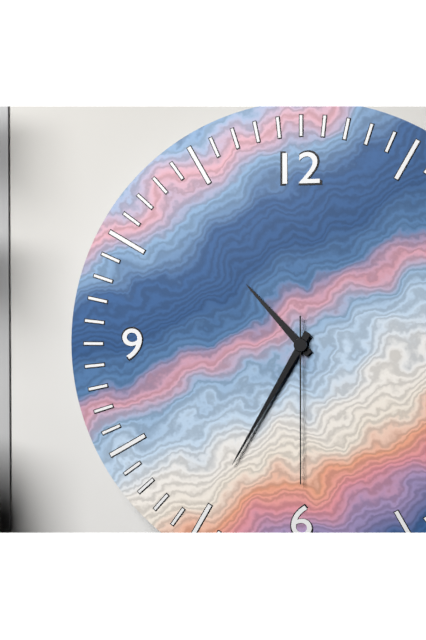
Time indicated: 10:35:30
